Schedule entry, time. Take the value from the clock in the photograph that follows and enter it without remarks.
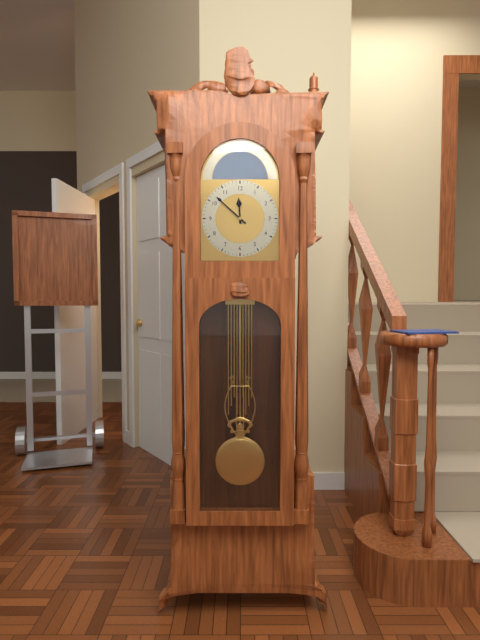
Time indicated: 11:52
